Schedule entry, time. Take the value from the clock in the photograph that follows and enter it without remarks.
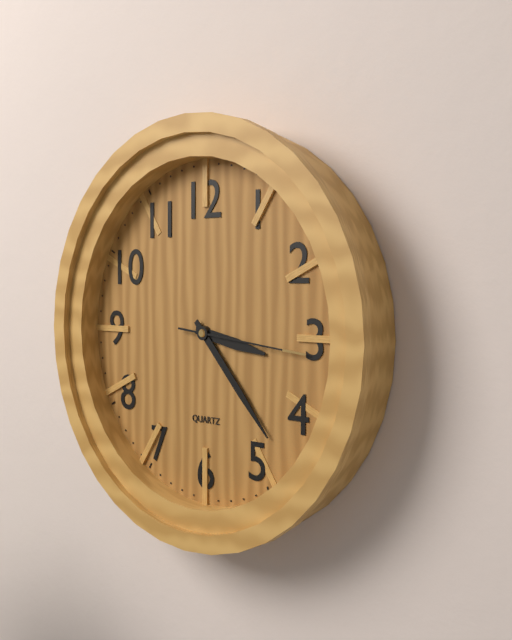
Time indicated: 3:23:16
